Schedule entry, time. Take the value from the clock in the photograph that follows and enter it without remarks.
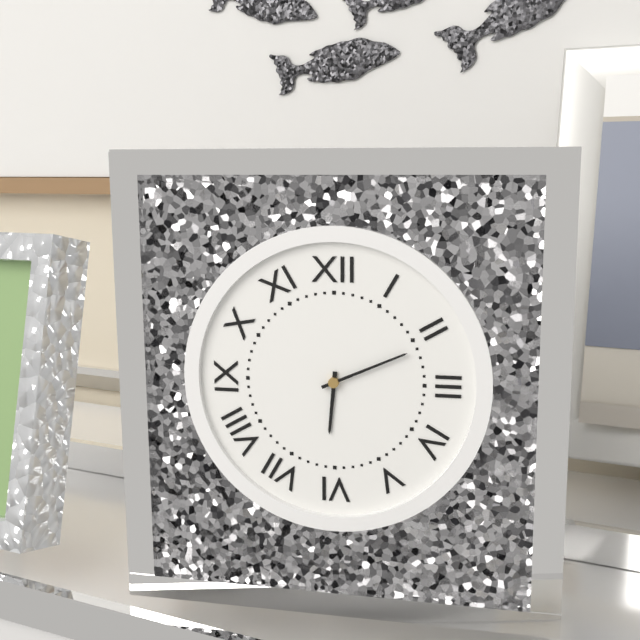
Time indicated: 6:11
